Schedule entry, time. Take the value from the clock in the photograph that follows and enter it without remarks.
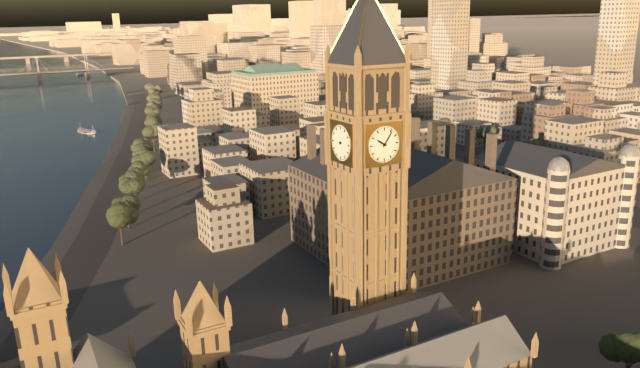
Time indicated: 10:06
